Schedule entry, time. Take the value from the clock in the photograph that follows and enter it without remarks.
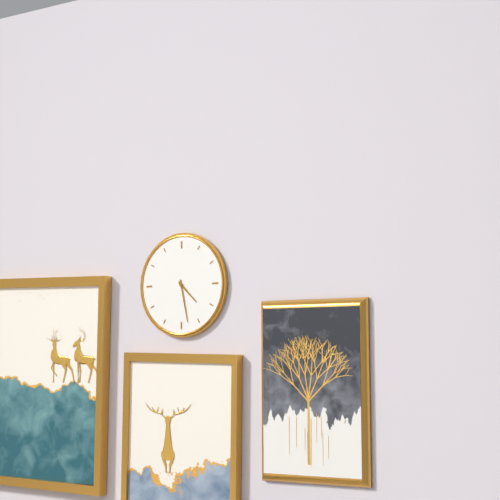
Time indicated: 4:28
